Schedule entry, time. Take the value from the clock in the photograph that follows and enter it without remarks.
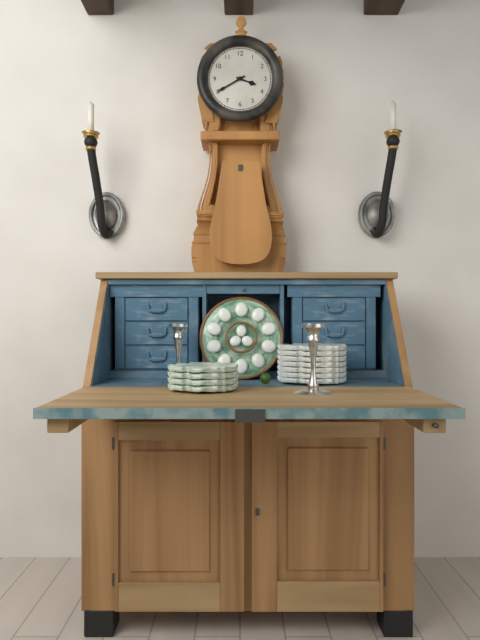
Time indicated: 3:40
